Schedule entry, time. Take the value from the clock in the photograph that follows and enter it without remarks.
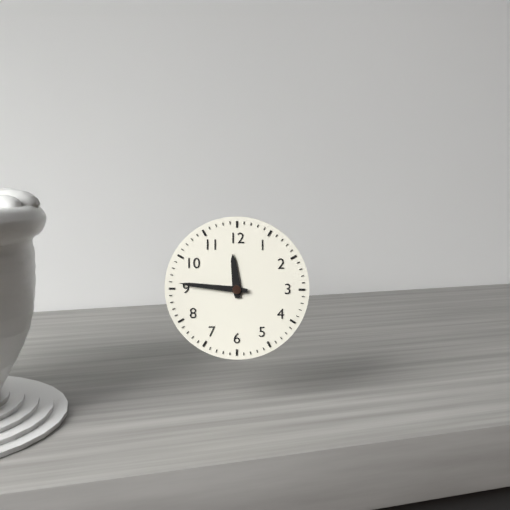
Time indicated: 11:46
